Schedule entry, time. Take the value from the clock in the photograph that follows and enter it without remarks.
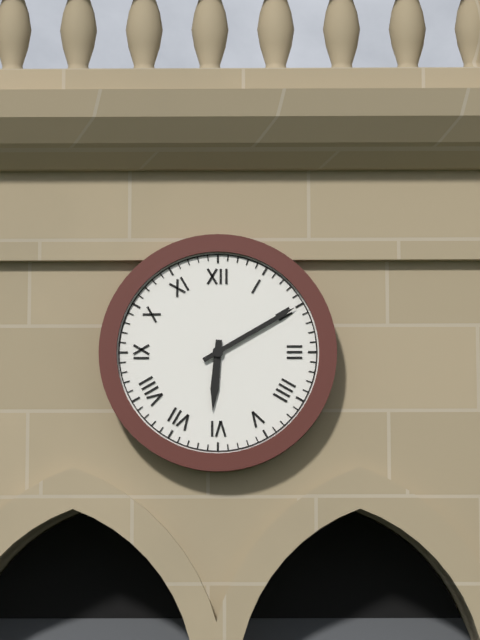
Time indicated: 6:10
